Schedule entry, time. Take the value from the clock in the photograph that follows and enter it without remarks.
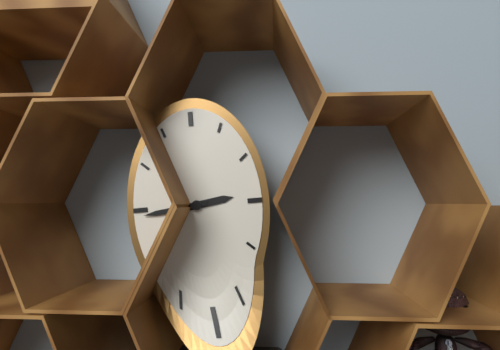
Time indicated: 2:44
